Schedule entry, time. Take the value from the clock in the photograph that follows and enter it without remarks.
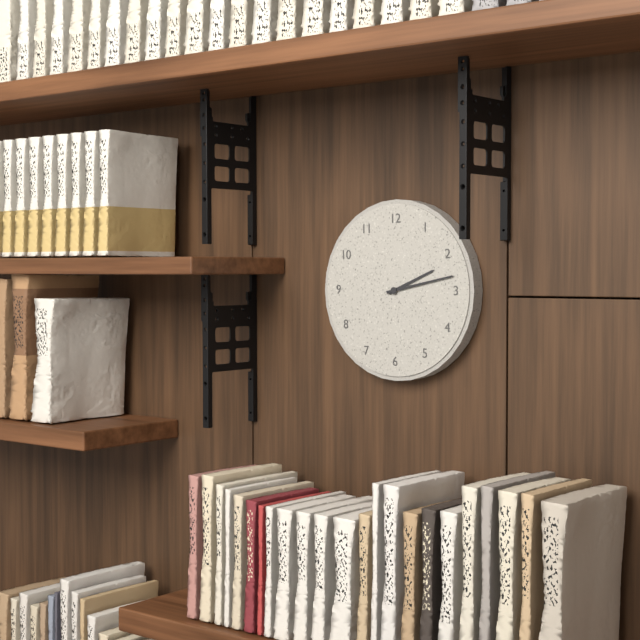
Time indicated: 2:13
